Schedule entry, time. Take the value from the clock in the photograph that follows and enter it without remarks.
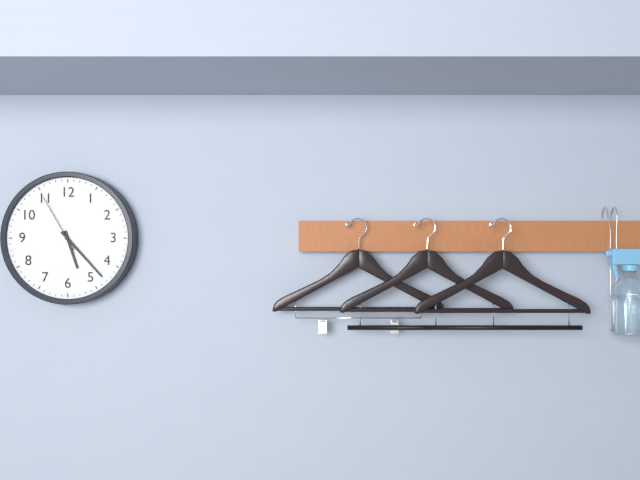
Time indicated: 5:23:55
